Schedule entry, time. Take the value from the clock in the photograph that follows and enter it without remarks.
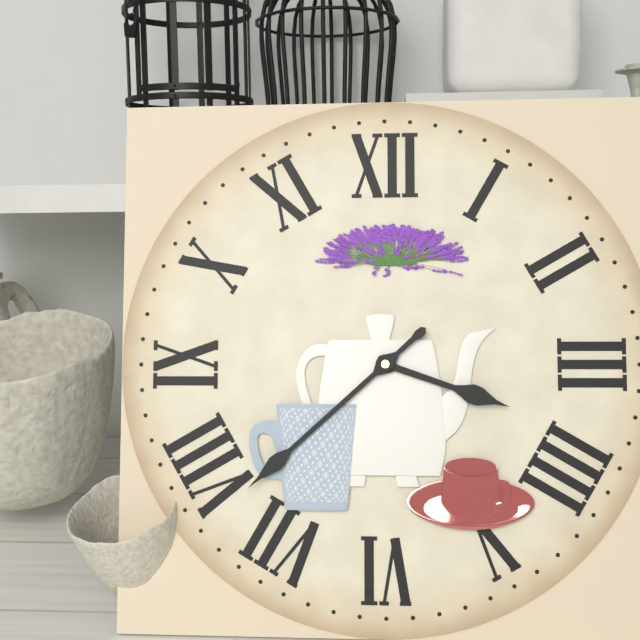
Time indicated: 3:38
